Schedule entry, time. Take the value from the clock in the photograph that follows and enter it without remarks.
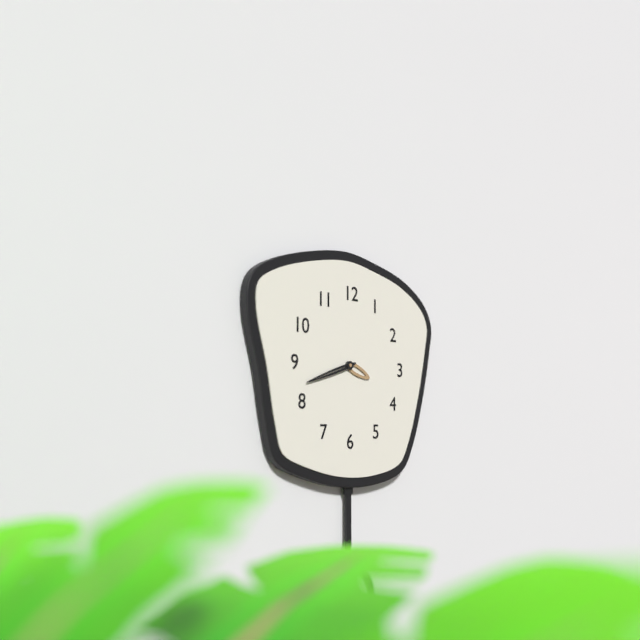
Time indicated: 3:42
